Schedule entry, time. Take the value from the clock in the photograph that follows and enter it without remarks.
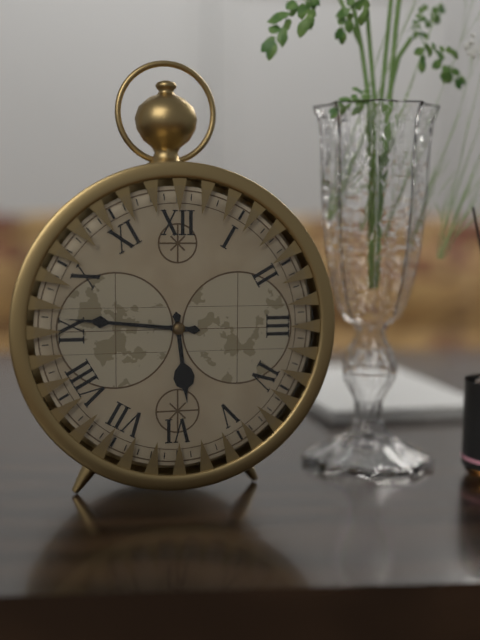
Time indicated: 5:46
